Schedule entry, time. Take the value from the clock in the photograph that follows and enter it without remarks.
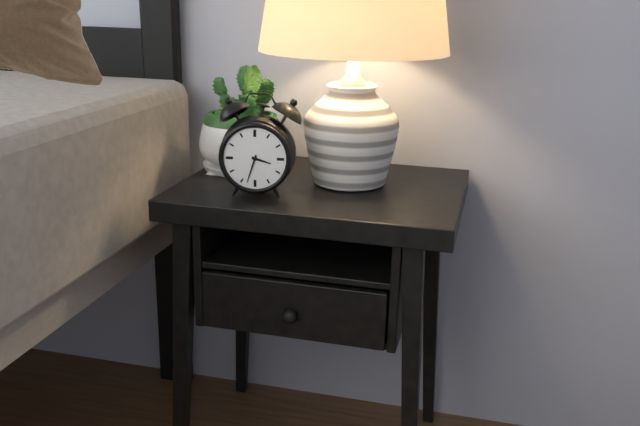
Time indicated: 3:33
